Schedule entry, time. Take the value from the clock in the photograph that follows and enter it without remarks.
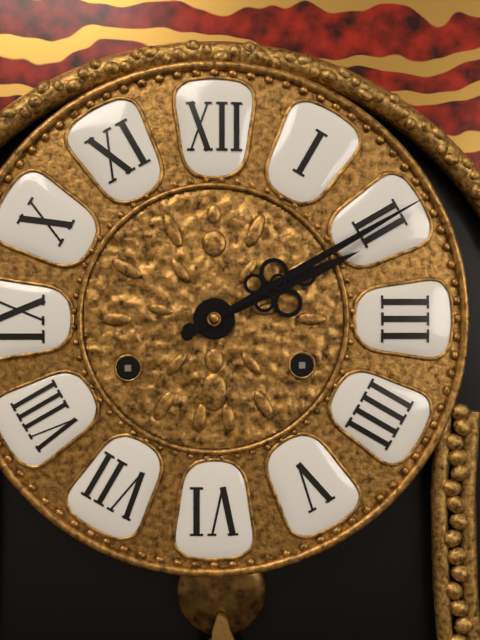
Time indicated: 2:10
